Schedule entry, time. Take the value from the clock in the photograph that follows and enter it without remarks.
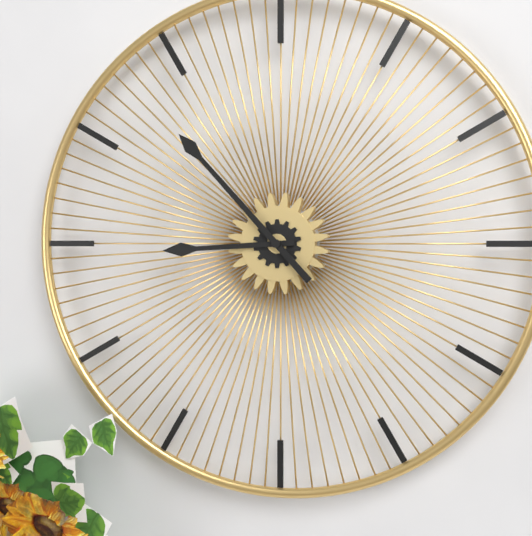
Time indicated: 8:53
